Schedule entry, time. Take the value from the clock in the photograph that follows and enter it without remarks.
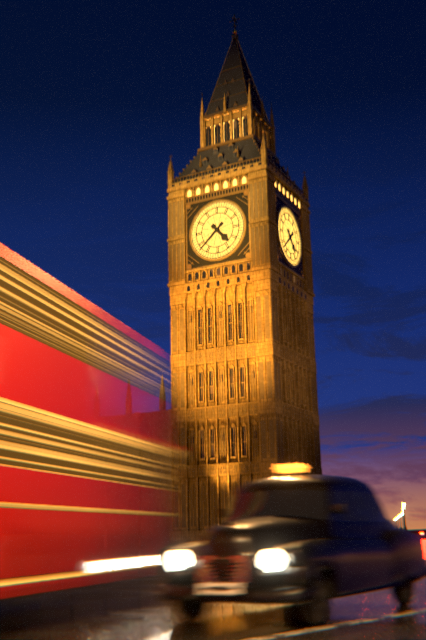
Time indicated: 4:38
